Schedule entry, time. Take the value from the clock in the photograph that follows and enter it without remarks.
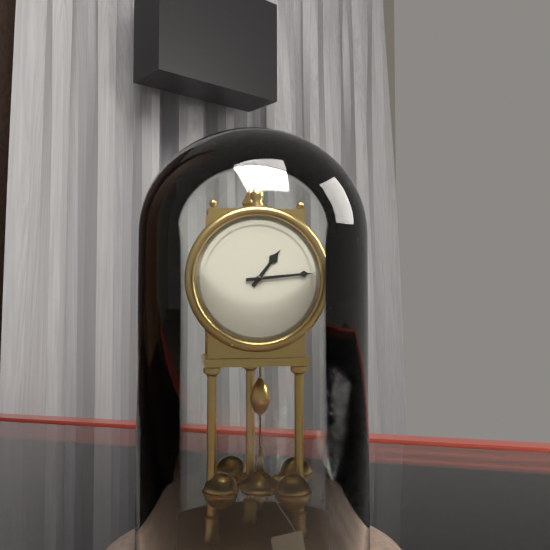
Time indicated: 1:14
